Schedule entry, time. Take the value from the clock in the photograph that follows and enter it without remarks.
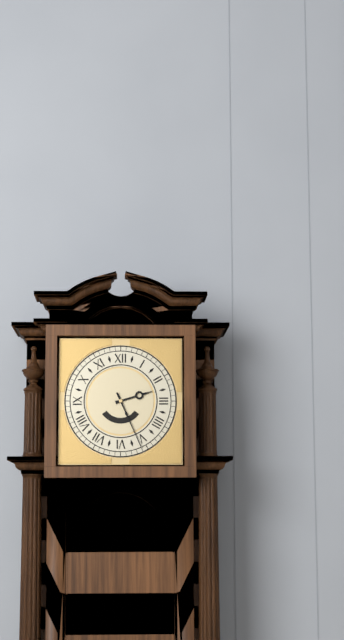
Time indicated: 2:26
